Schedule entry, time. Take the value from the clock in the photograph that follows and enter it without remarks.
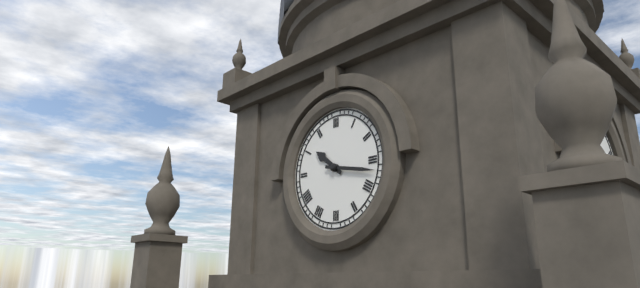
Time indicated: 10:17
